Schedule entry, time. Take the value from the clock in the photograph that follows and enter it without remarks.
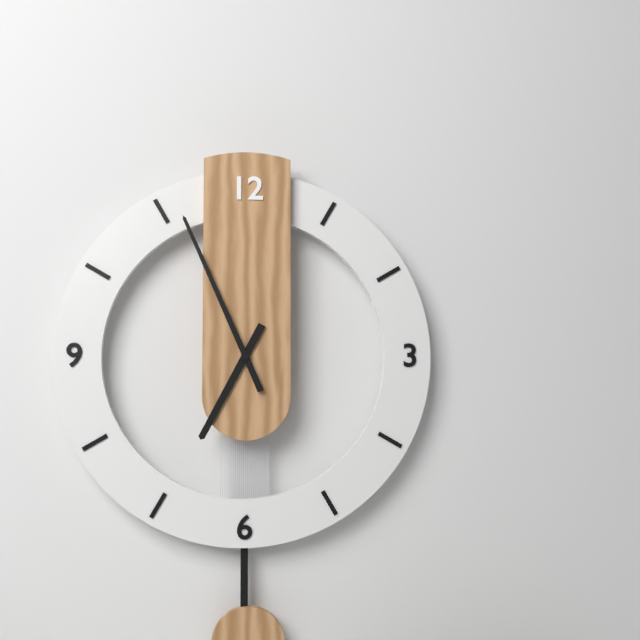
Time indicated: 6:56
